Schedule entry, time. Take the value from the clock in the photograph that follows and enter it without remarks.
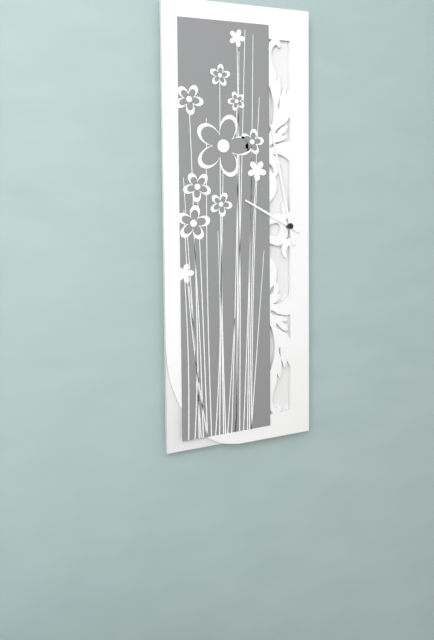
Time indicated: 9:58
